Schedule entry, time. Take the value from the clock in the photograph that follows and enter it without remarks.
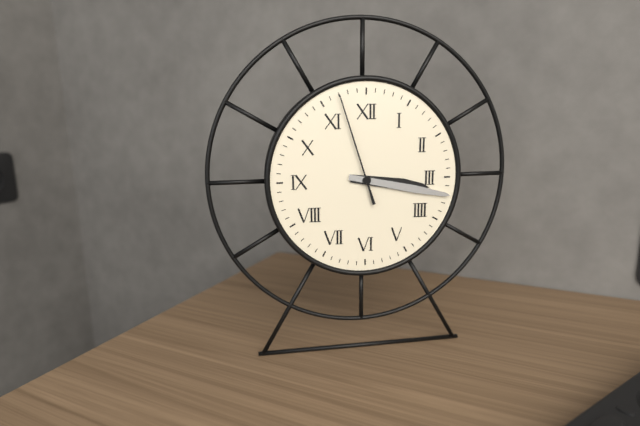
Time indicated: 3:17:57
